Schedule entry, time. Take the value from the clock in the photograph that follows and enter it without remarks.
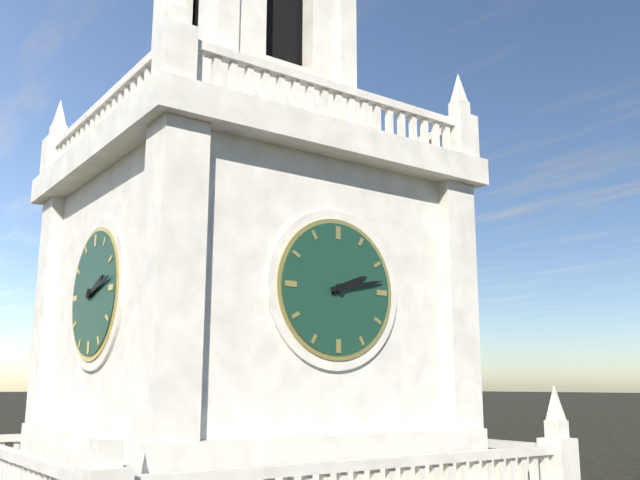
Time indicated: 2:13
